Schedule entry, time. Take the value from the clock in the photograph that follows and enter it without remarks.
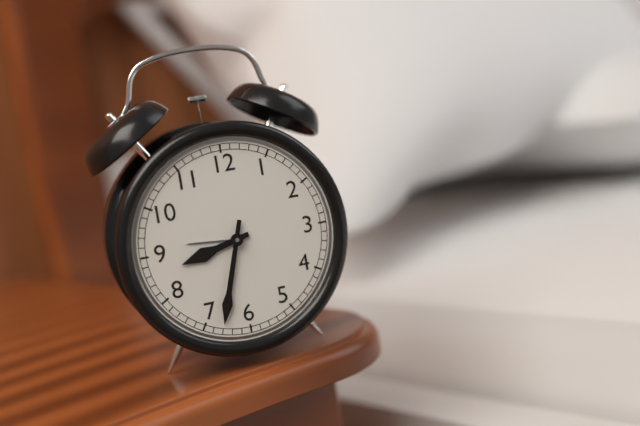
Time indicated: 8:33
